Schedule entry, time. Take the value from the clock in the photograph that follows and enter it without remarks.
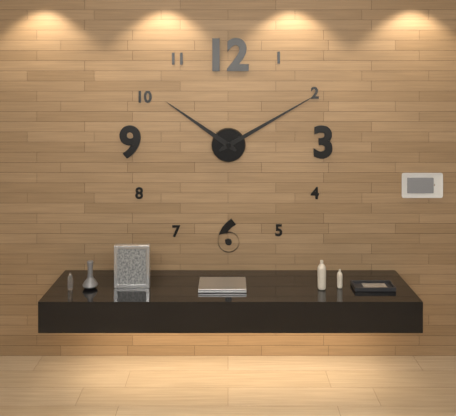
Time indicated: 10:10
